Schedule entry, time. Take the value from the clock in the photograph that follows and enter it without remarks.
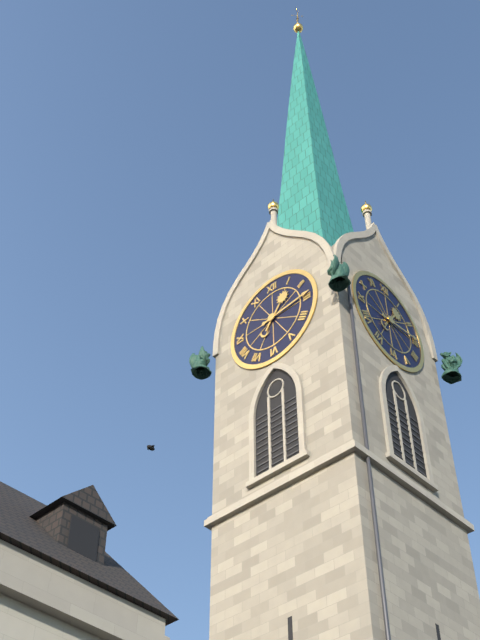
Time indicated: 1:14
